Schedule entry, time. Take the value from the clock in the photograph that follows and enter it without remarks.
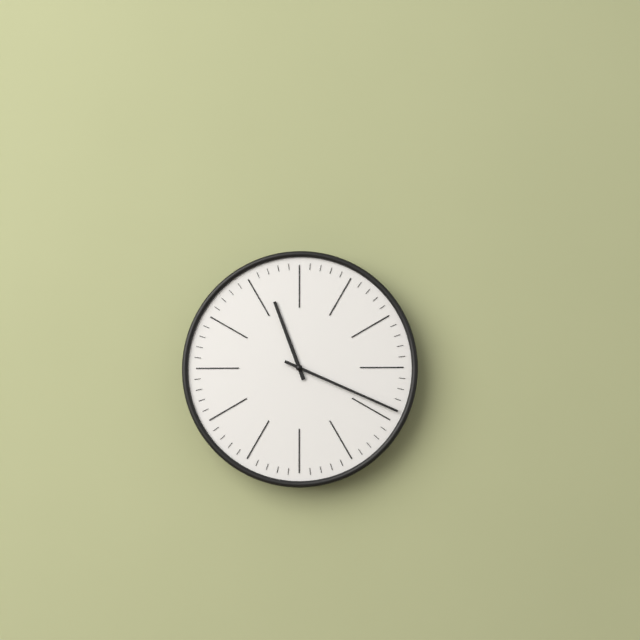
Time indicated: 11:19
